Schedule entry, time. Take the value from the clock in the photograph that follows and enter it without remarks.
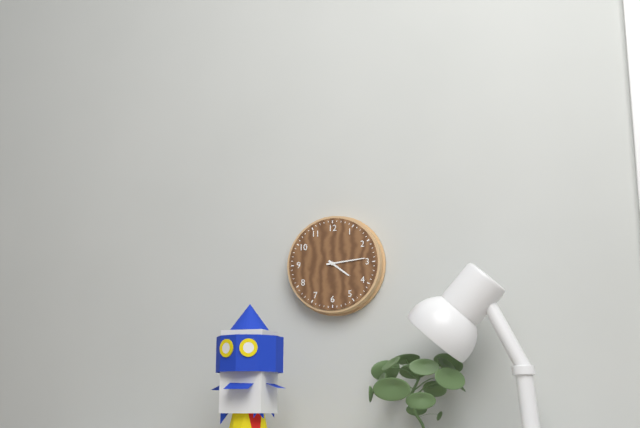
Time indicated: 4:14
